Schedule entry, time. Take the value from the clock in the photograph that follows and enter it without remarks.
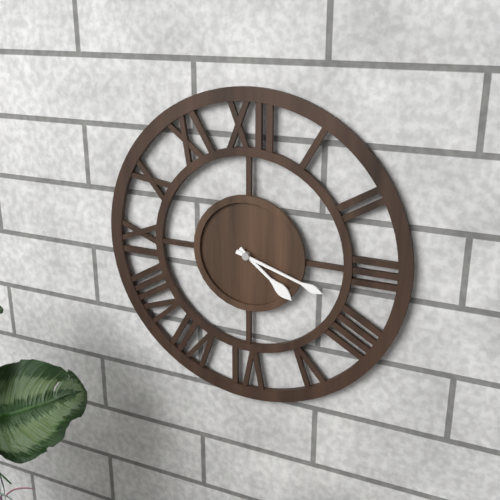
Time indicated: 4:18
